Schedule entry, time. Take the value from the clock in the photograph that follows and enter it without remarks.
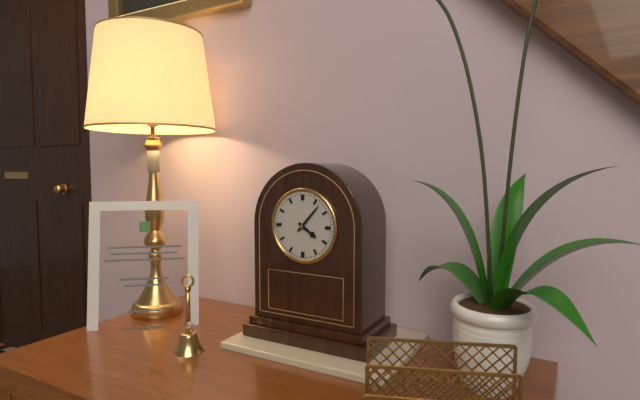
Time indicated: 4:07
